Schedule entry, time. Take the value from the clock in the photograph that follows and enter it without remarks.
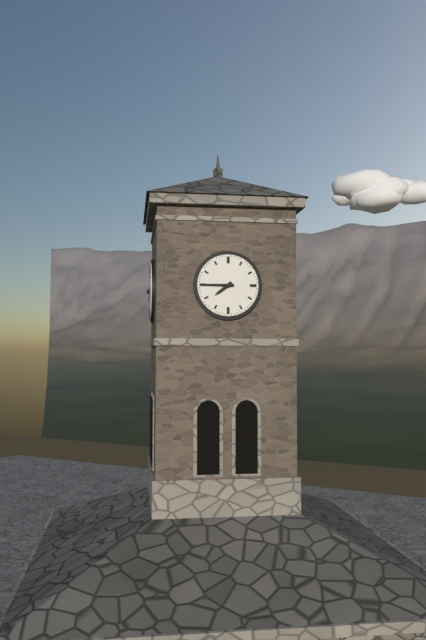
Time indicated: 7:45
